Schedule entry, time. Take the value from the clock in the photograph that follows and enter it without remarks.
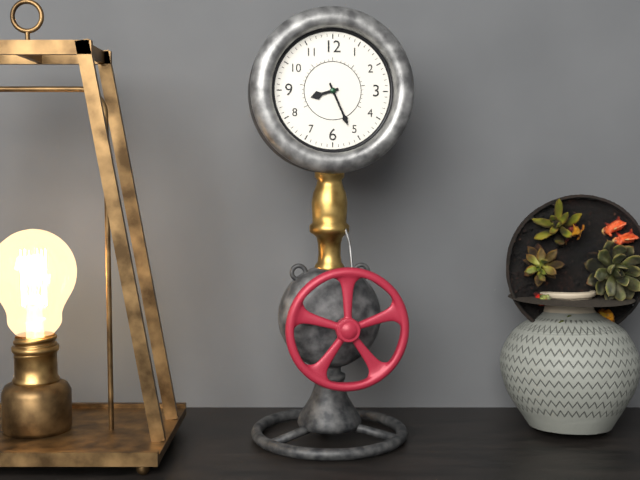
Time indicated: 8:26
